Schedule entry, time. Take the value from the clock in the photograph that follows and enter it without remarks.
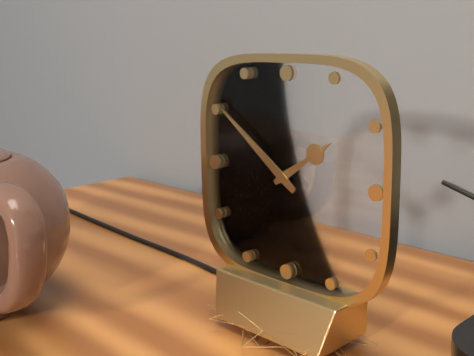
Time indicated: 1:51
